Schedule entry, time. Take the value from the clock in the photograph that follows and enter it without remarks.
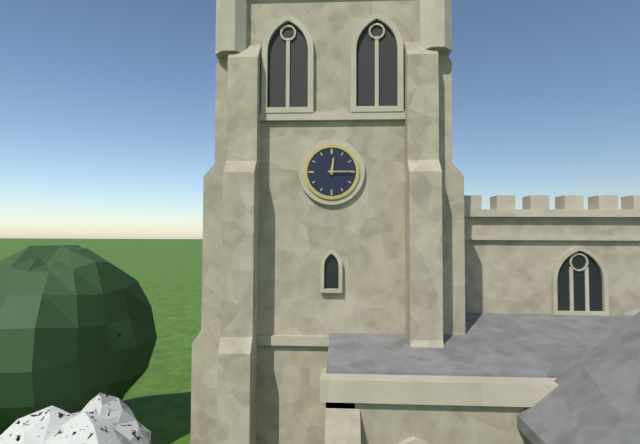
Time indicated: 12:15
